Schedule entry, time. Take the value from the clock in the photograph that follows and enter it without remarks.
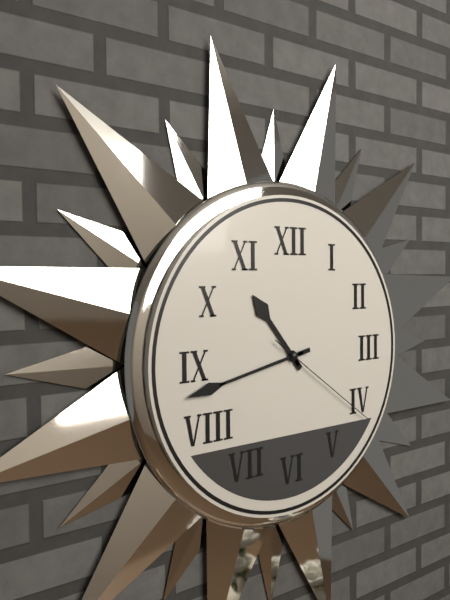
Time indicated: 10:43:21
